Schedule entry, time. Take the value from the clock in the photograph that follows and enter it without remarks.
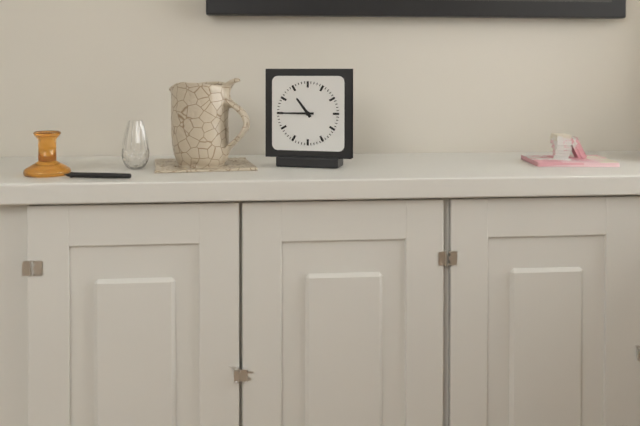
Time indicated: 10:45
